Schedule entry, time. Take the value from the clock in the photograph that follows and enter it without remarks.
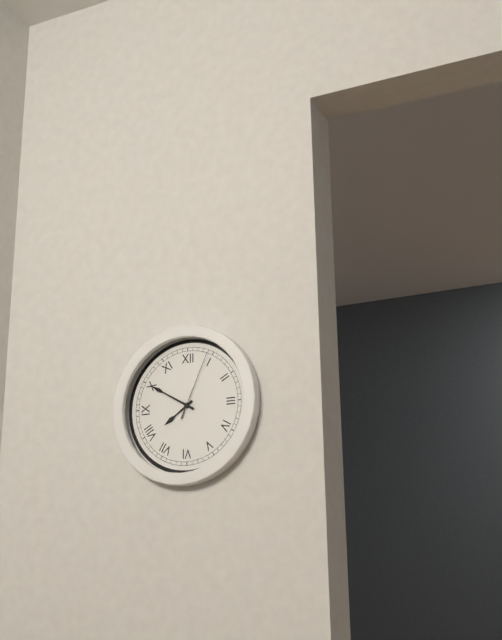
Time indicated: 7:50:04
